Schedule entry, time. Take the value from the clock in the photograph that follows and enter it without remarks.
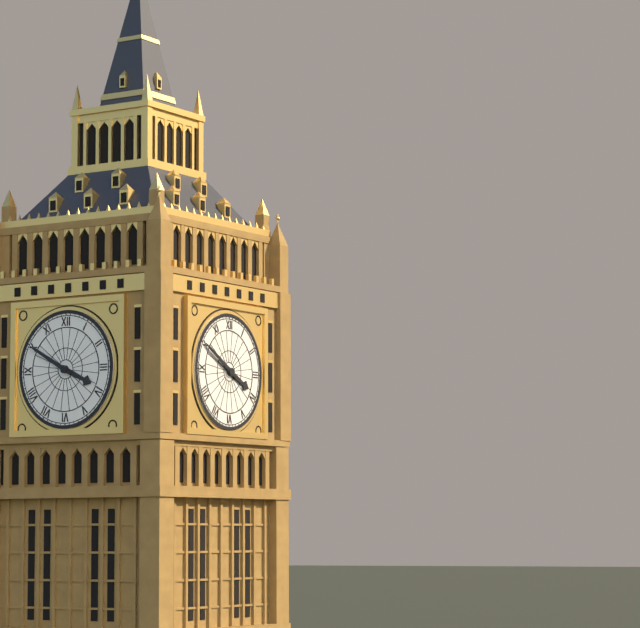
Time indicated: 3:50
